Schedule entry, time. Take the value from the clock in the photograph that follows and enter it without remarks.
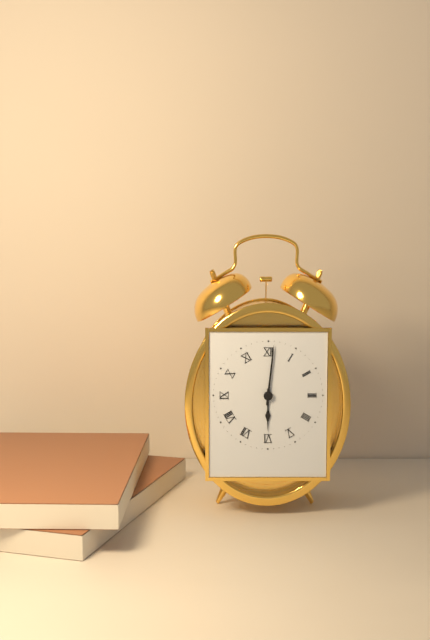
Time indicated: 6:01
